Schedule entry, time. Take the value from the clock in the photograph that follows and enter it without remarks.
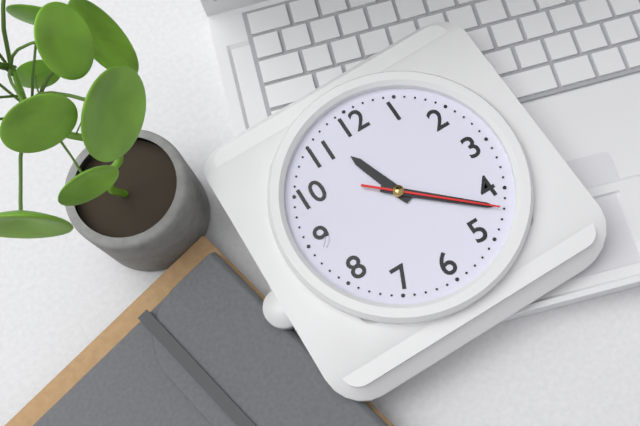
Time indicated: 11:22:22
